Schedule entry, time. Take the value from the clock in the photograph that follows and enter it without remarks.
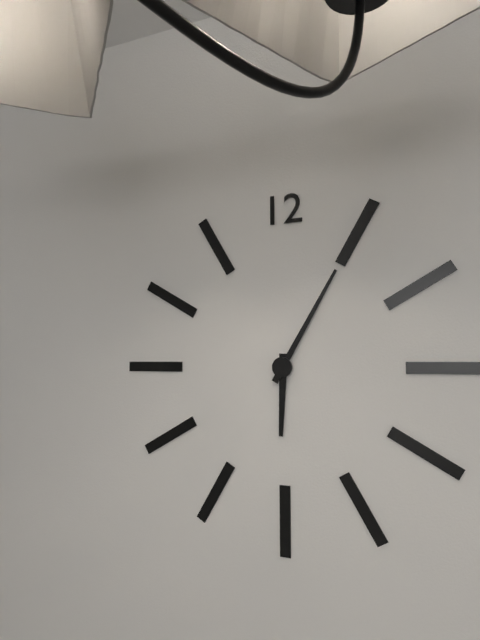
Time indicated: 6:05
